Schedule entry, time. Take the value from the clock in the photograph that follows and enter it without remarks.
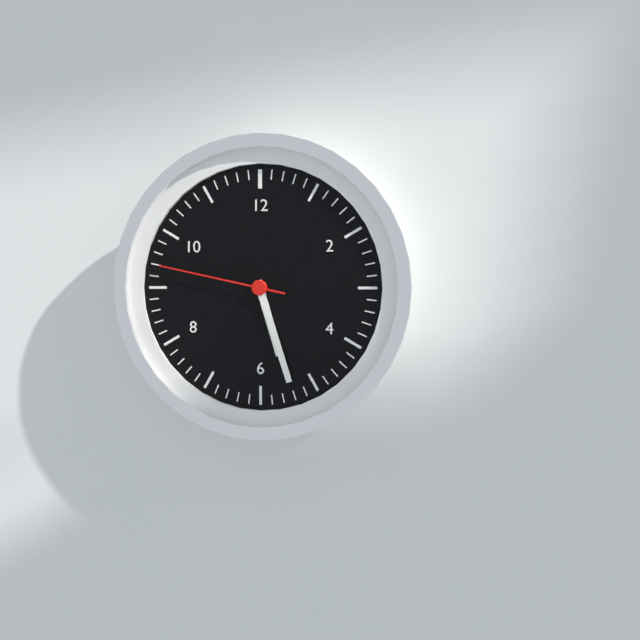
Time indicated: 5:27:47
